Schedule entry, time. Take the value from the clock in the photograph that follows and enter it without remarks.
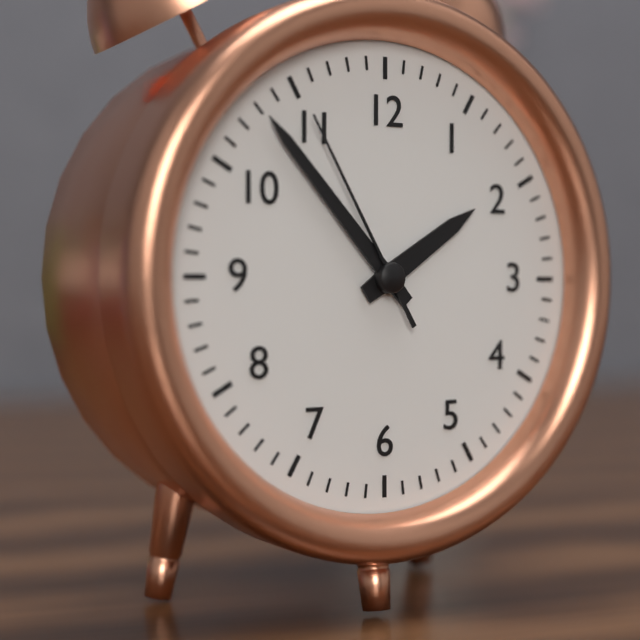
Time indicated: 1:53:55
